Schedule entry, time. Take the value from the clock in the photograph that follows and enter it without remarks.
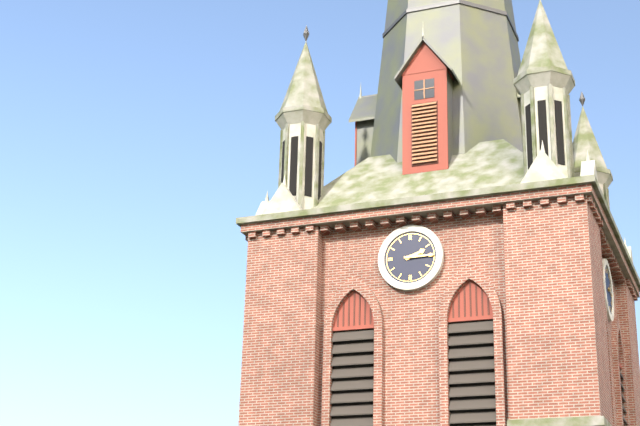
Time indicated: 2:15
